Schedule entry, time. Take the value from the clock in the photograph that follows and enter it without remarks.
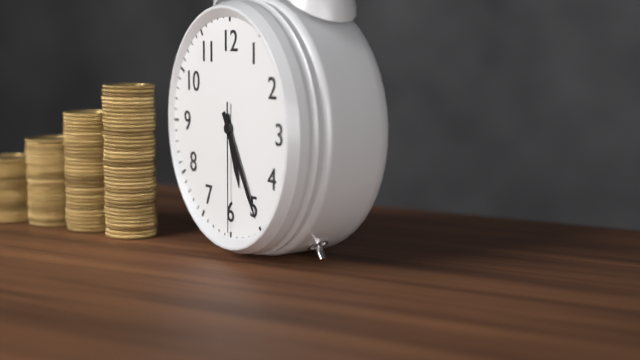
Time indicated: 5:25:30
